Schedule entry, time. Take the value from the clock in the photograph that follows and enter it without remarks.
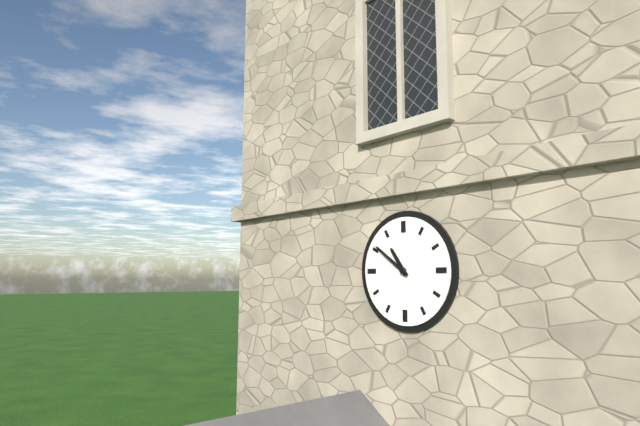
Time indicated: 10:51
